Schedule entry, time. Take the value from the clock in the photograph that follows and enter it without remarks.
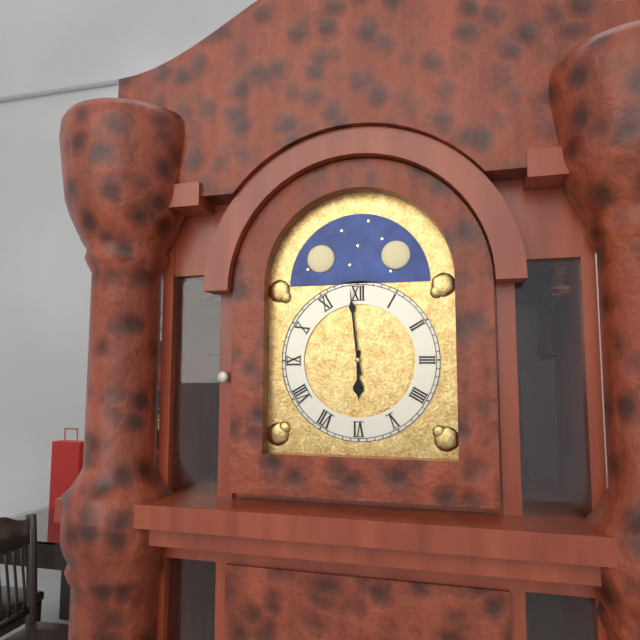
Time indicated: 5:59
